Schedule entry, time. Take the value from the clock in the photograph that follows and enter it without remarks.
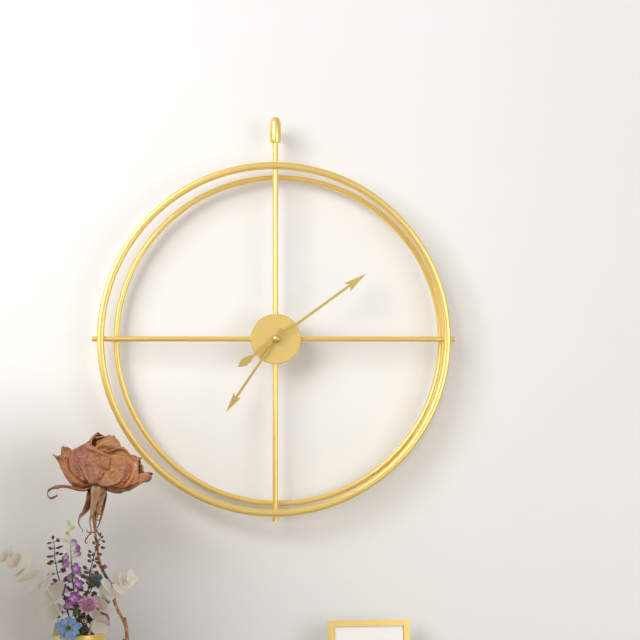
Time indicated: 7:09
